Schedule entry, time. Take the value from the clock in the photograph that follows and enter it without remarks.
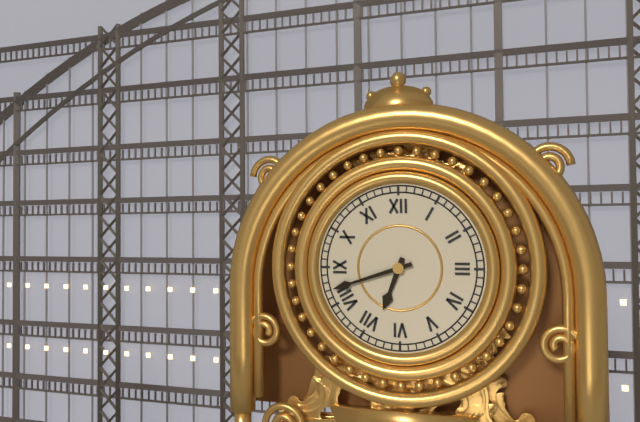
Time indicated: 6:42
